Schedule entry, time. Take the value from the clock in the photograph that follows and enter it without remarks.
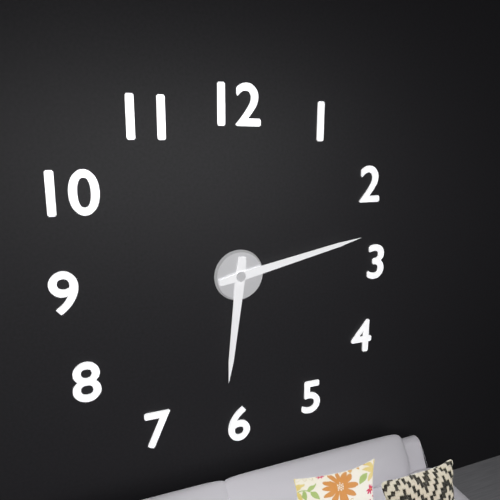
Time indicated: 6:13
